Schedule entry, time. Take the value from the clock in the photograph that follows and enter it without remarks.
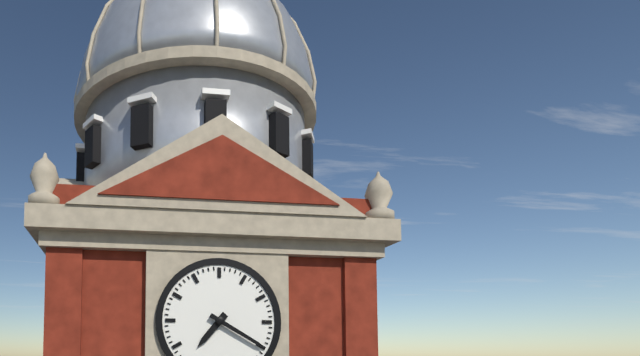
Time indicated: 7:20
